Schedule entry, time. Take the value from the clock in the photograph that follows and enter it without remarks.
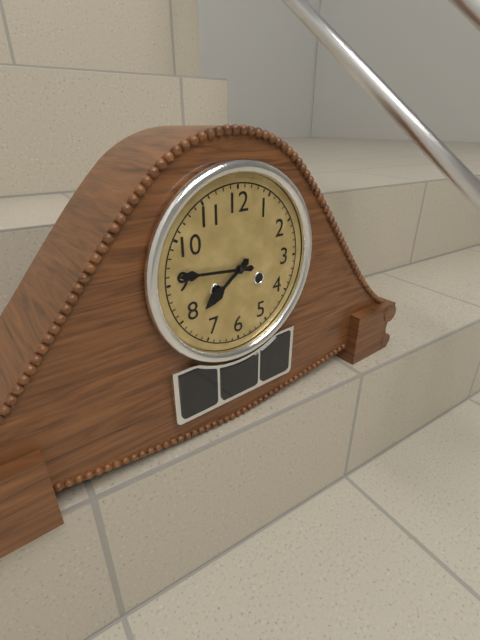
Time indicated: 7:46
